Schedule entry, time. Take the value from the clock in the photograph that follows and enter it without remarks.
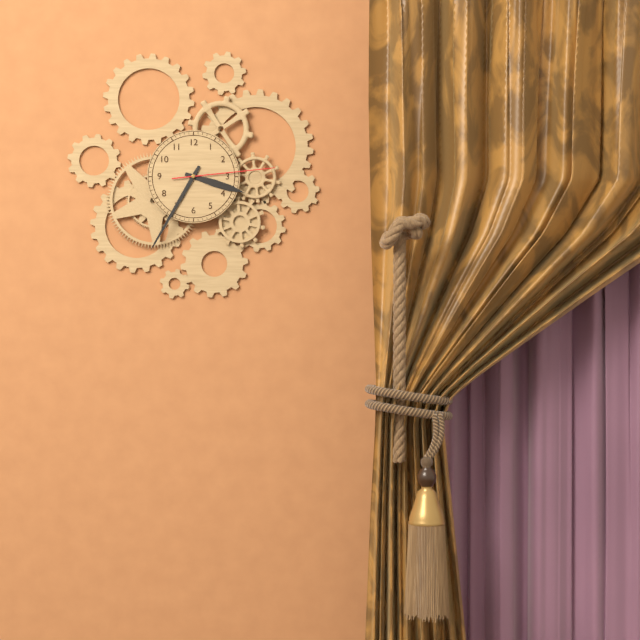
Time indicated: 3:35:14
